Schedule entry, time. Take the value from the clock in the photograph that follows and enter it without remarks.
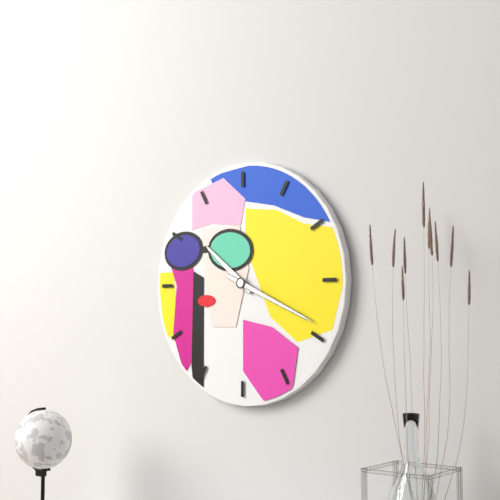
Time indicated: 10:19
